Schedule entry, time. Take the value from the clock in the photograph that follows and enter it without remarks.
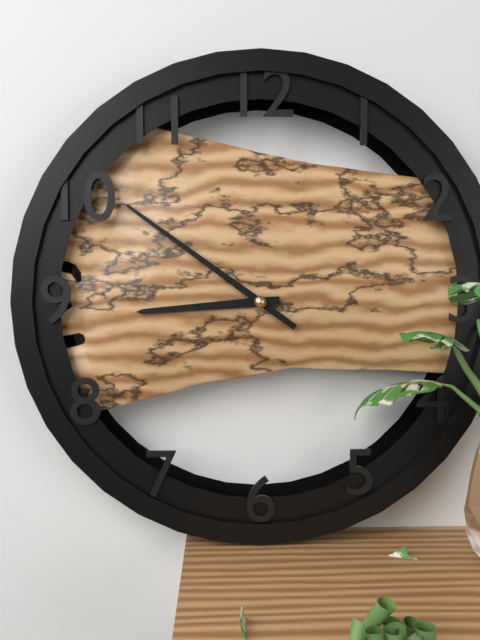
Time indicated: 8:51
